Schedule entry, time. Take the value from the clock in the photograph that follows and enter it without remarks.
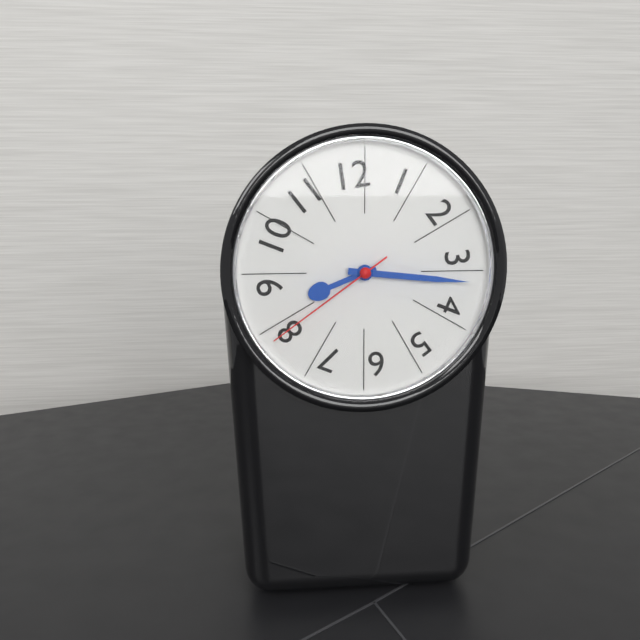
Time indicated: 8:16:39
